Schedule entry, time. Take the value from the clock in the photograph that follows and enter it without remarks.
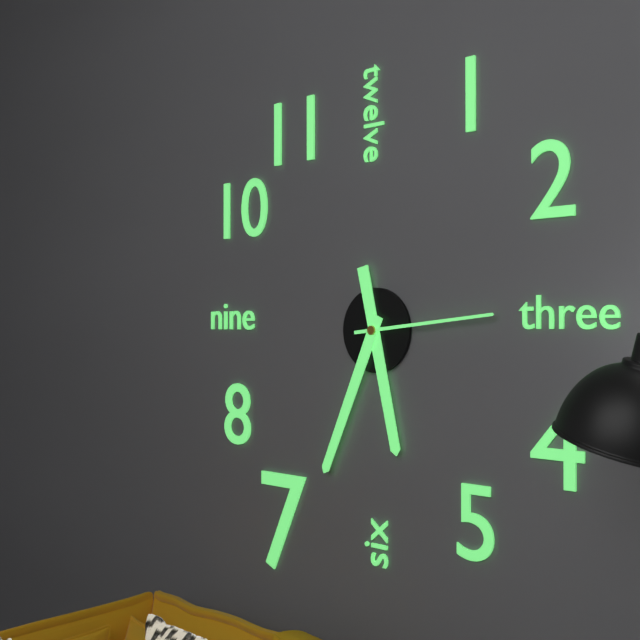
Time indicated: 5:34:14
